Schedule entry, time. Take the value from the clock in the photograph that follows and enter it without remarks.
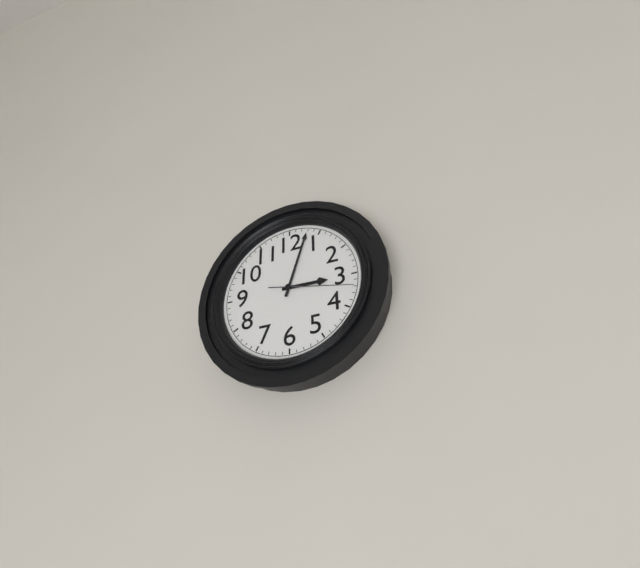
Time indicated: 3:03:17
